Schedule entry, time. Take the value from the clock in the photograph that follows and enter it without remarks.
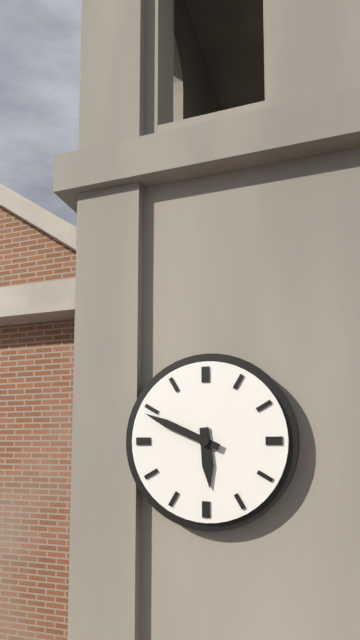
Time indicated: 5:49
